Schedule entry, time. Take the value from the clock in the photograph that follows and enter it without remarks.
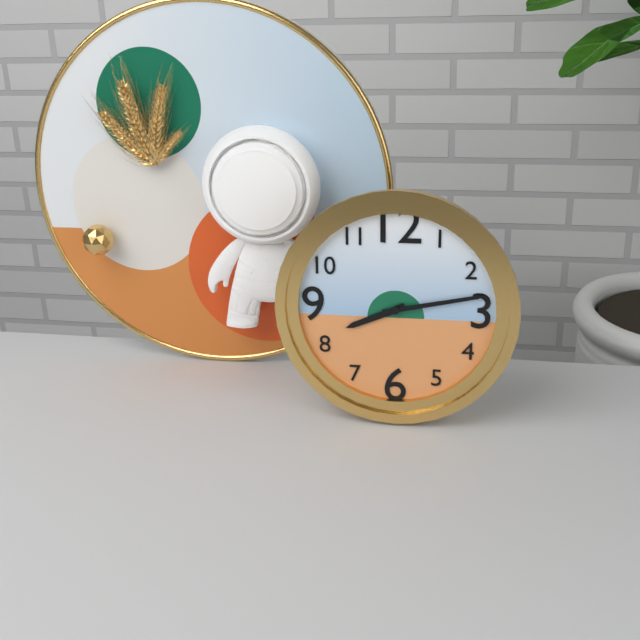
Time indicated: 8:13
